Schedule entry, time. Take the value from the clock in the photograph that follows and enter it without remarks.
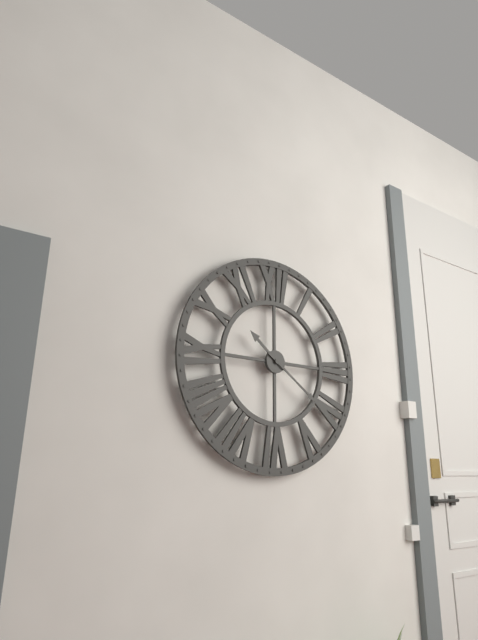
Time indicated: 10:21
